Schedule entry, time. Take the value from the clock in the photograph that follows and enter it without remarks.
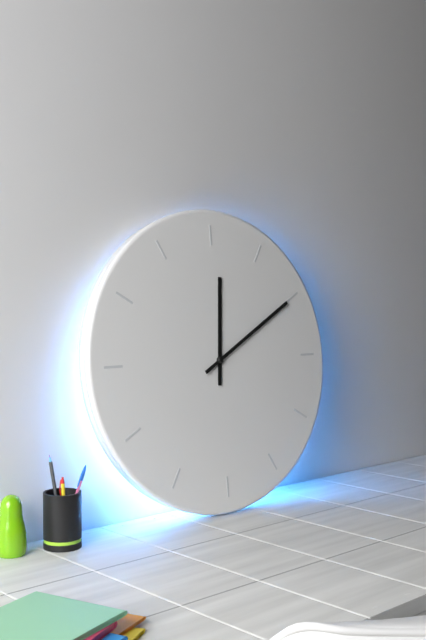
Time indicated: 12:10
